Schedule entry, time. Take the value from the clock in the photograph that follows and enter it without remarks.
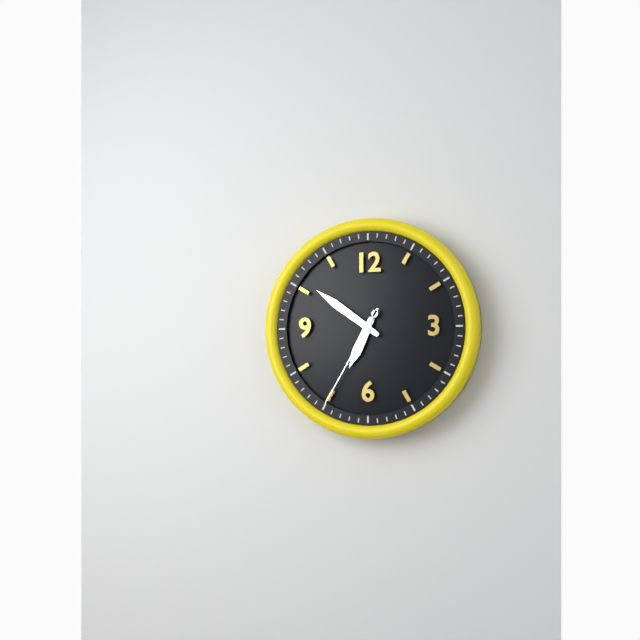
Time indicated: 6:51:35
